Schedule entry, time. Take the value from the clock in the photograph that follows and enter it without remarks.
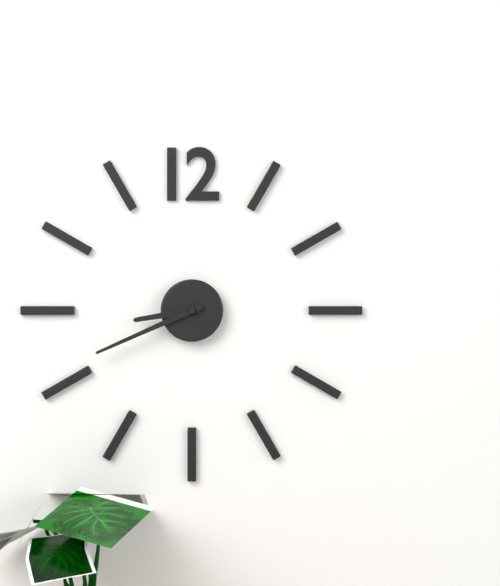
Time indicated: 8:41
